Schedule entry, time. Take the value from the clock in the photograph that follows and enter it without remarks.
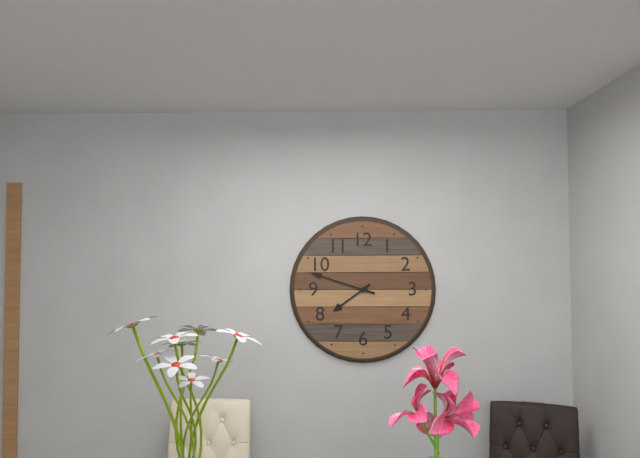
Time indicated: 7:48
